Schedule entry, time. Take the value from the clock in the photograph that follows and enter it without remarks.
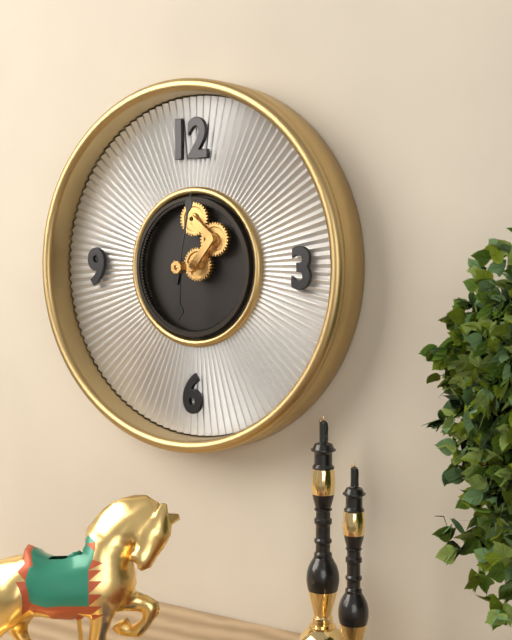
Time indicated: 6:02
